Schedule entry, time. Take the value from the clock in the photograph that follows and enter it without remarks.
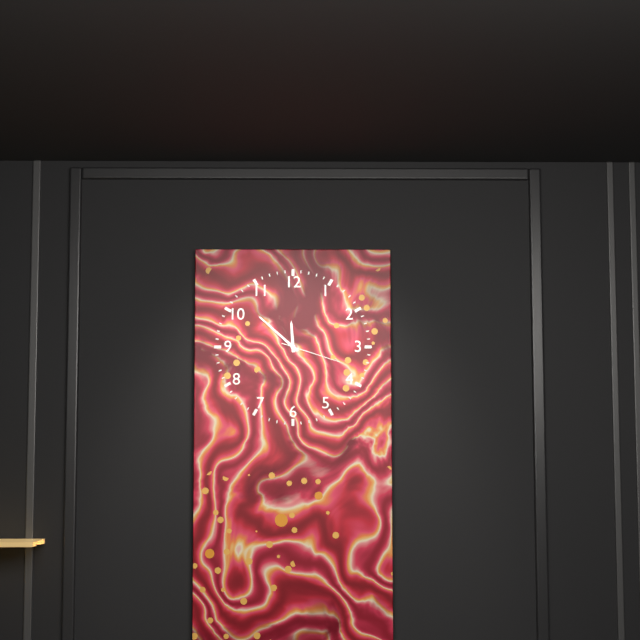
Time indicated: 11:52:18
